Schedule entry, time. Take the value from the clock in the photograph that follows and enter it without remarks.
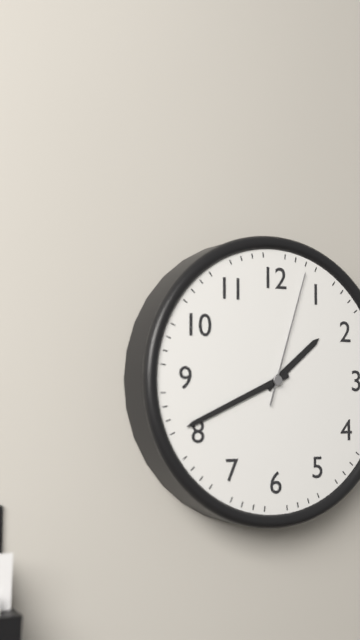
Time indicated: 1:41:03
